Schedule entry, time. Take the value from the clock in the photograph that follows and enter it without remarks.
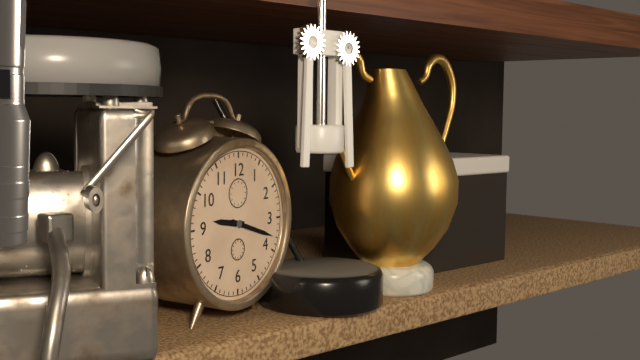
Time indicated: 9:18
